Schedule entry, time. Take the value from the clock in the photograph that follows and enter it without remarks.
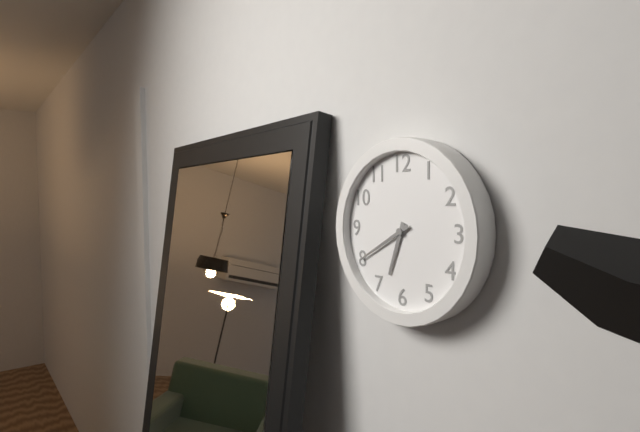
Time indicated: 6:40
